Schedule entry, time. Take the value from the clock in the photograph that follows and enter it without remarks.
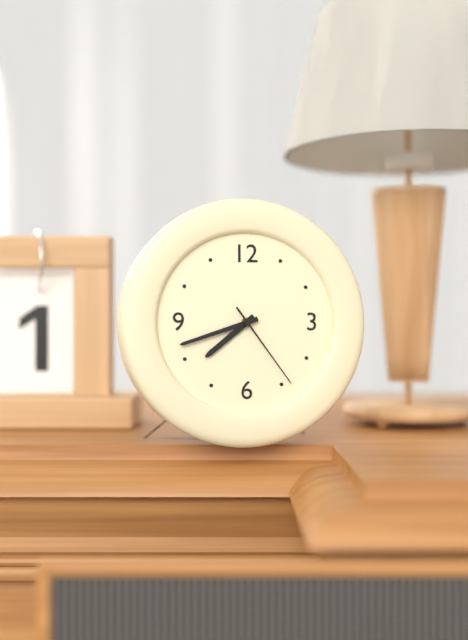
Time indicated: 7:42:24
